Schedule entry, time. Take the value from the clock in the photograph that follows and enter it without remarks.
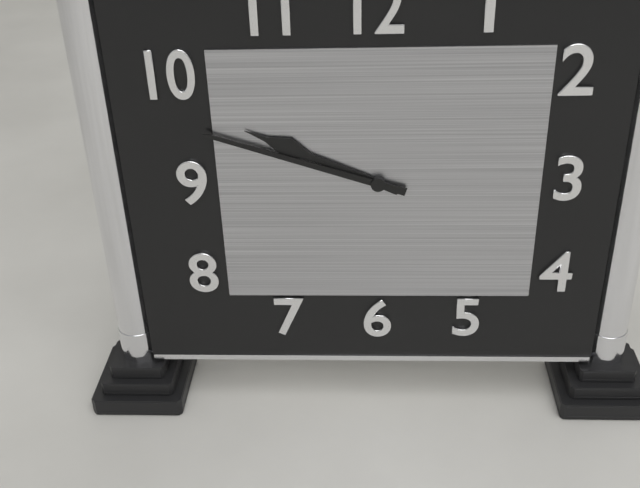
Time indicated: 9:48
